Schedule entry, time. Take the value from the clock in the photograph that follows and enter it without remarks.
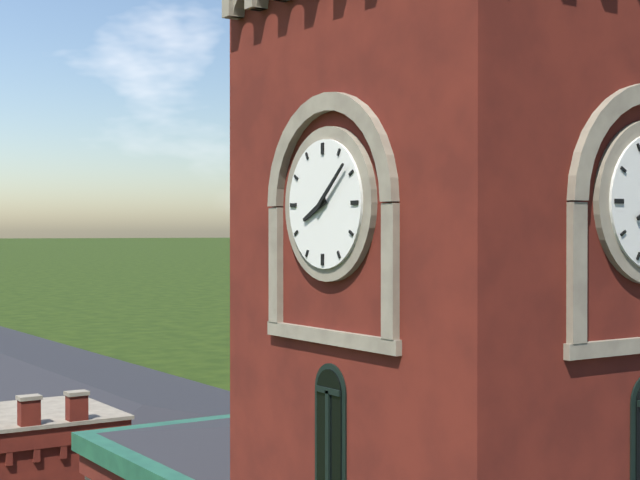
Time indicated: 8:08
